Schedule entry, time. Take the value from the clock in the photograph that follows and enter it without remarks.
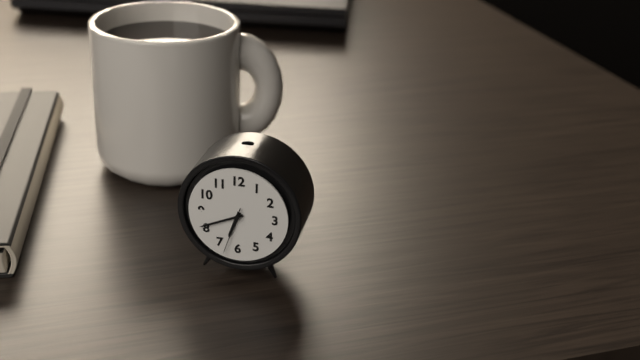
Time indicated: 6:41
